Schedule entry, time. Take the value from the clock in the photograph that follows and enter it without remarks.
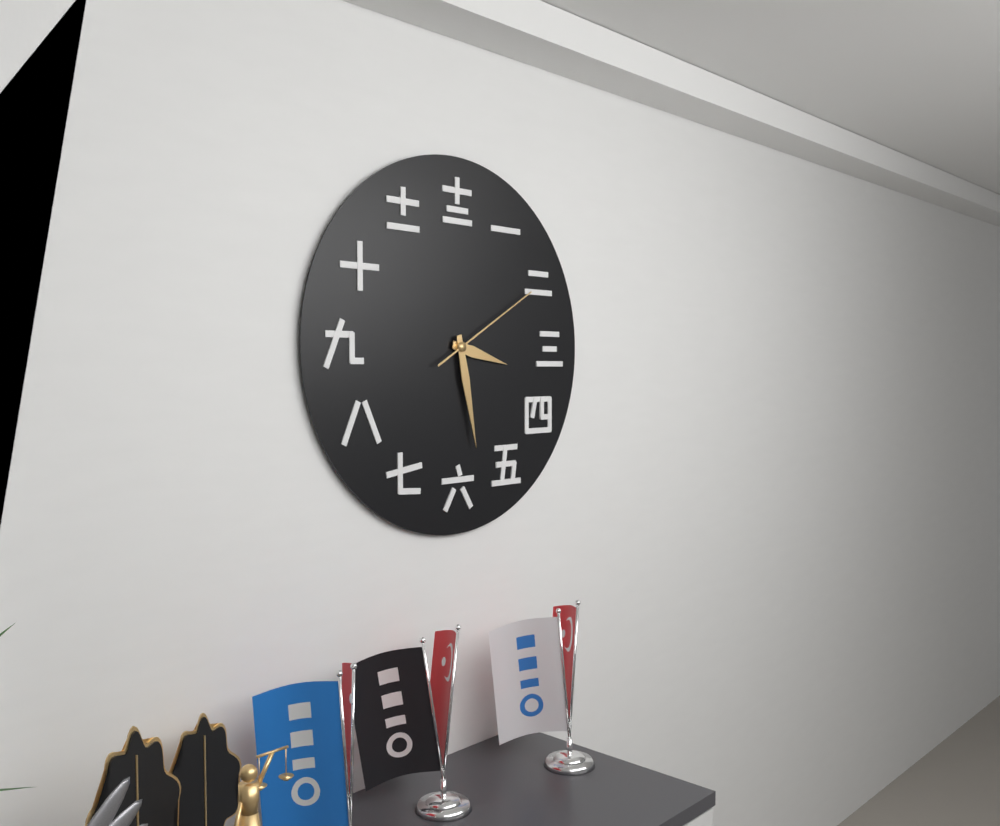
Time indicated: 3:28:10
